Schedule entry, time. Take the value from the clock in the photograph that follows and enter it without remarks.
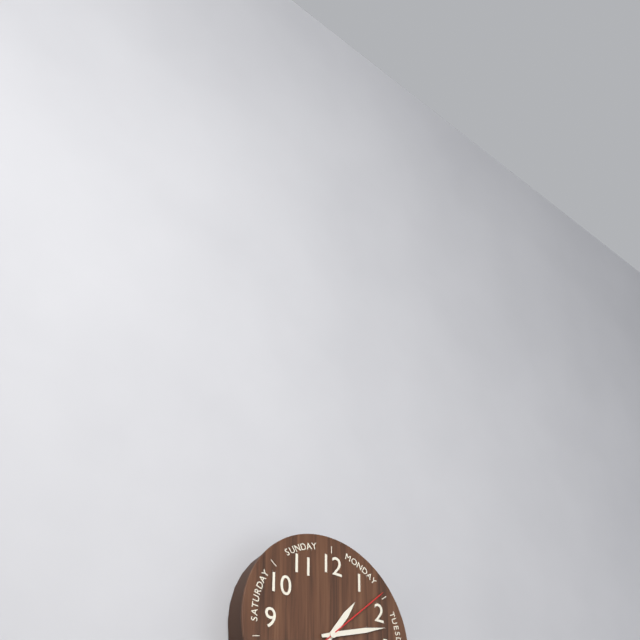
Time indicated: 1:12:08
